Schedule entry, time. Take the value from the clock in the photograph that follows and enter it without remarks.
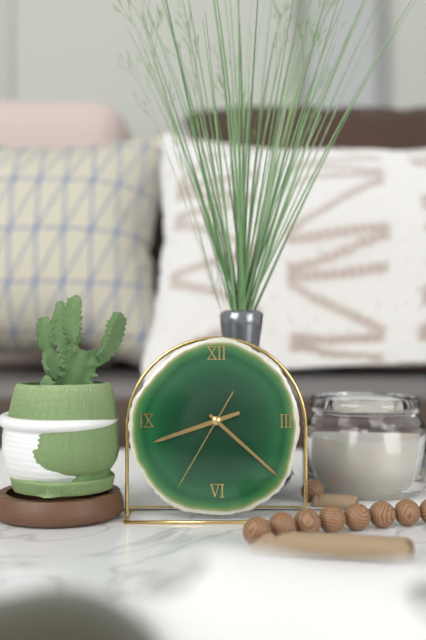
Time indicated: 8:22:35
